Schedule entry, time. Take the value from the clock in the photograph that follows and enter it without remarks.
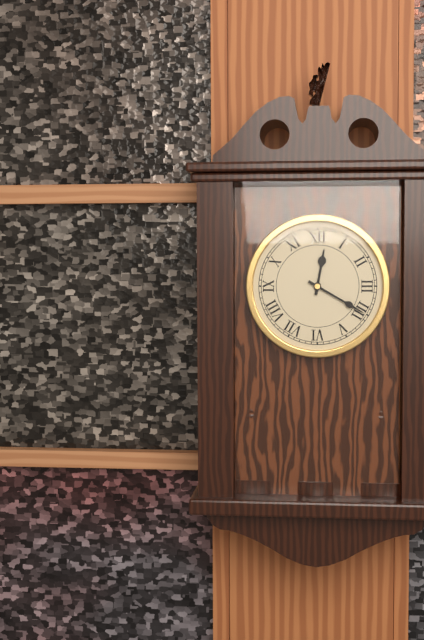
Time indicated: 12:20
